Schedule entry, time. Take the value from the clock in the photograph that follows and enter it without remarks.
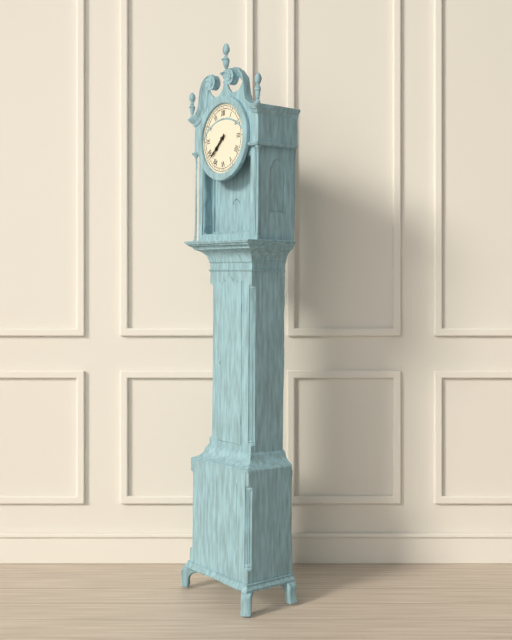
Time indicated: 7:38
